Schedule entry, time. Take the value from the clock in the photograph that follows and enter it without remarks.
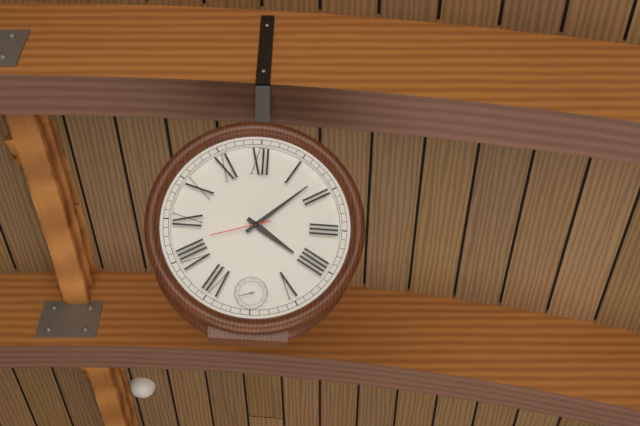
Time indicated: 4:08:42
